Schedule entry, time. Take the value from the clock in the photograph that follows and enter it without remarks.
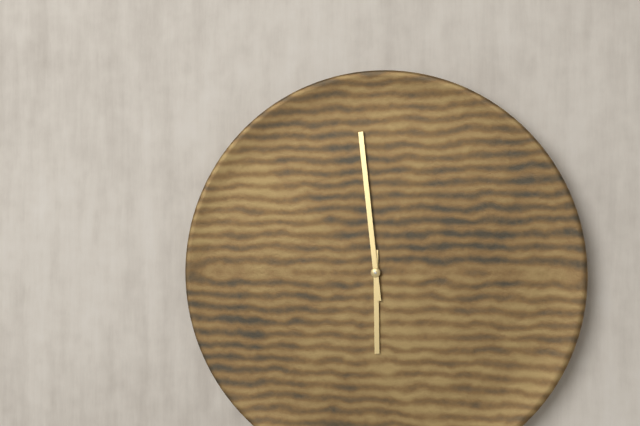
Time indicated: 5:59
